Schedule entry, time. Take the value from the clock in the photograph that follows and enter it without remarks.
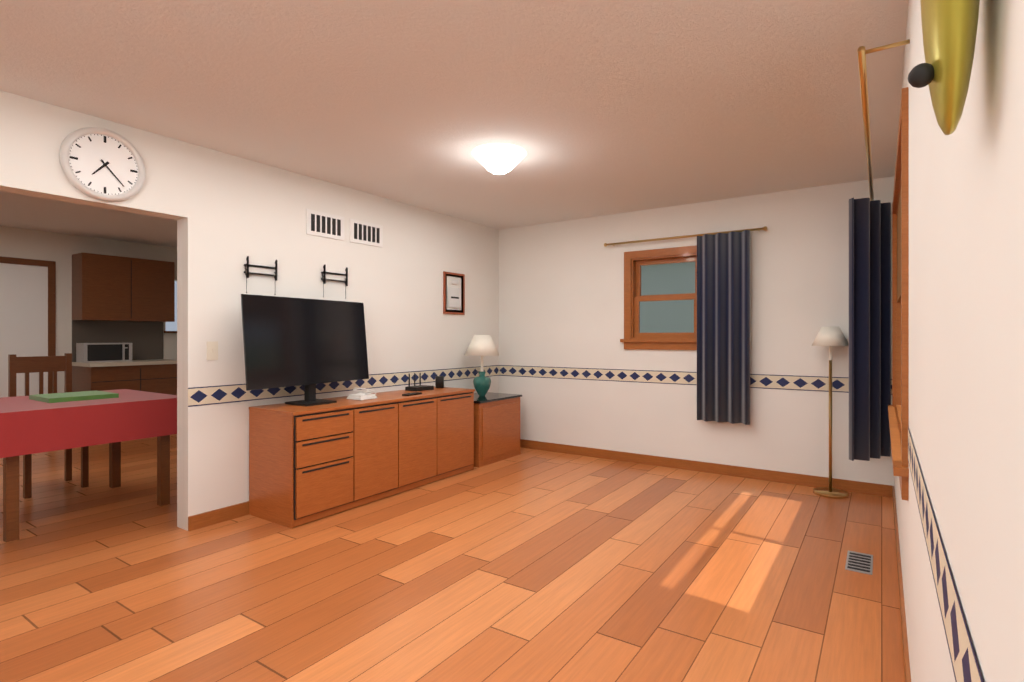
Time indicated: 7:23
